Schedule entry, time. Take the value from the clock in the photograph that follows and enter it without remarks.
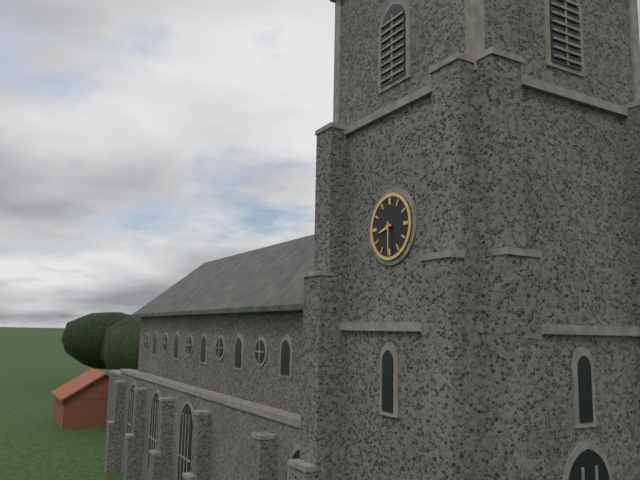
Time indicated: 8:30
